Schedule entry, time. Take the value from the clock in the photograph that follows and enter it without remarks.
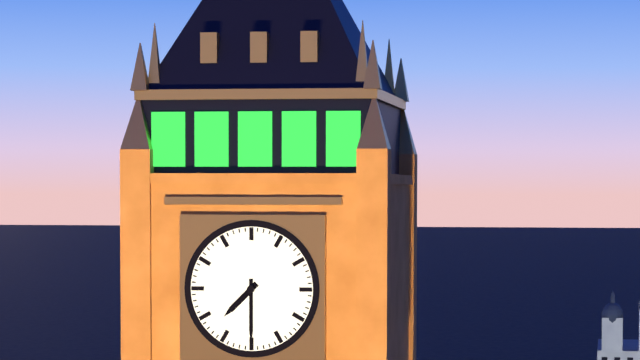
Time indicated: 7:30
